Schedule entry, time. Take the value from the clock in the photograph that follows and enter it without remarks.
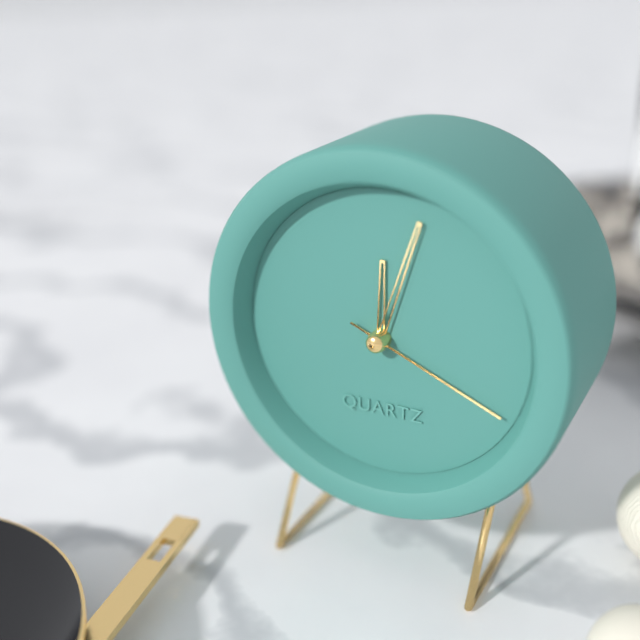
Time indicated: 12:03:19
